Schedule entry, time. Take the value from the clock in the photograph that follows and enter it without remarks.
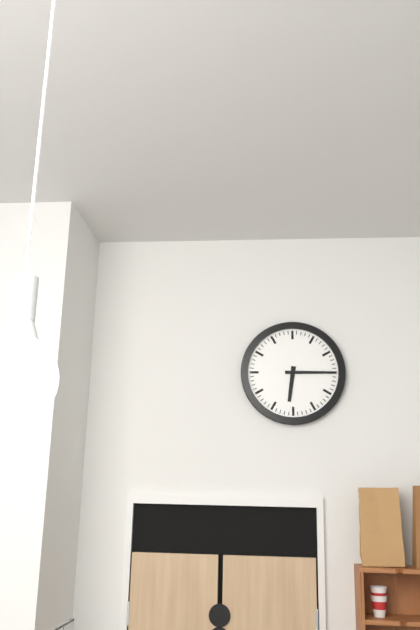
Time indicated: 6:15
